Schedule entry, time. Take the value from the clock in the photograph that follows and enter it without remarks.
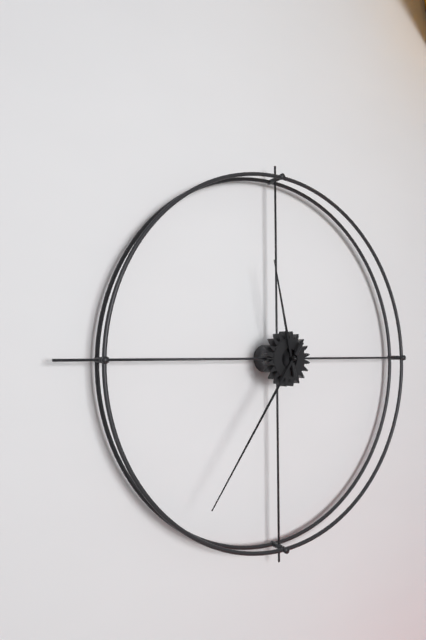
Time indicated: 11:36
